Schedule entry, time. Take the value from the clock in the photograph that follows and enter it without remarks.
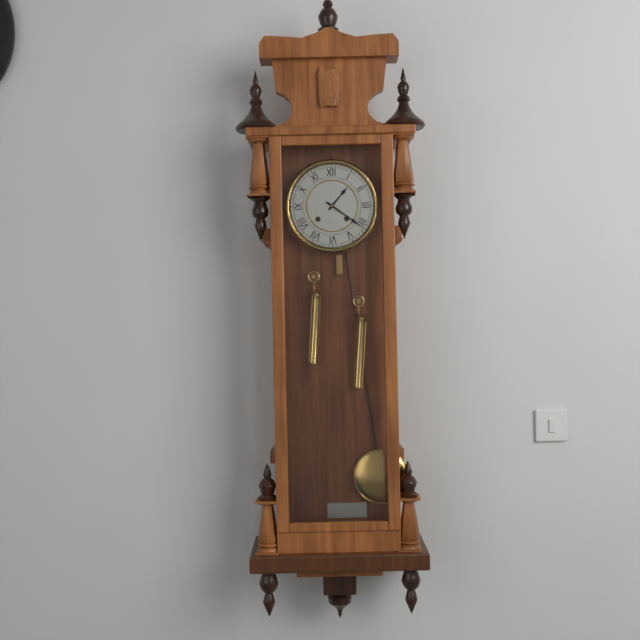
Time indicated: 1:21
